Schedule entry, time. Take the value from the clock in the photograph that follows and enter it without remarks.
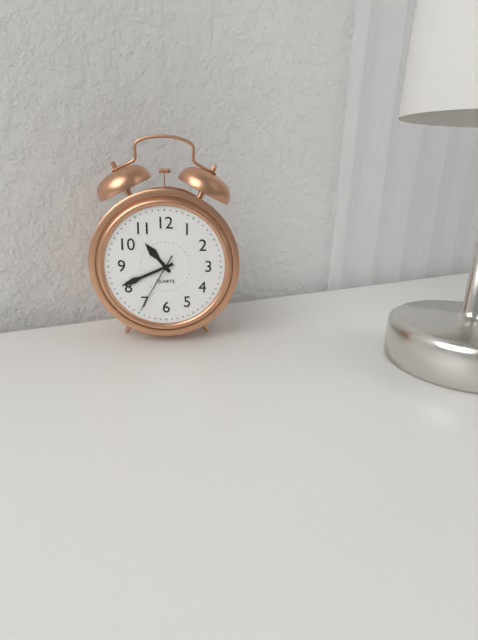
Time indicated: 10:41:35
